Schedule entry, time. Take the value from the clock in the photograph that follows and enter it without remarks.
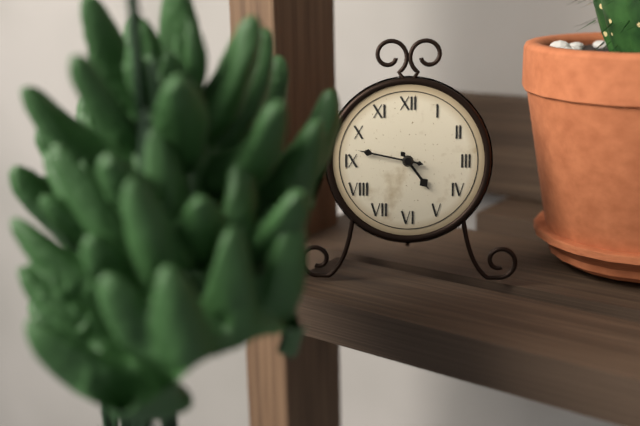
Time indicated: 4:47
